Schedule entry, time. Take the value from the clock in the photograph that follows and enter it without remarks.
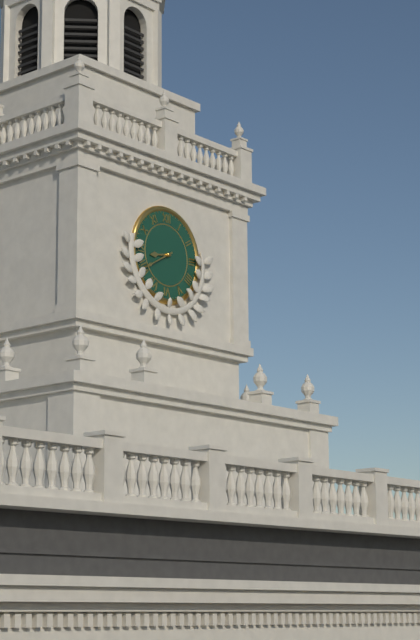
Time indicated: 8:40
